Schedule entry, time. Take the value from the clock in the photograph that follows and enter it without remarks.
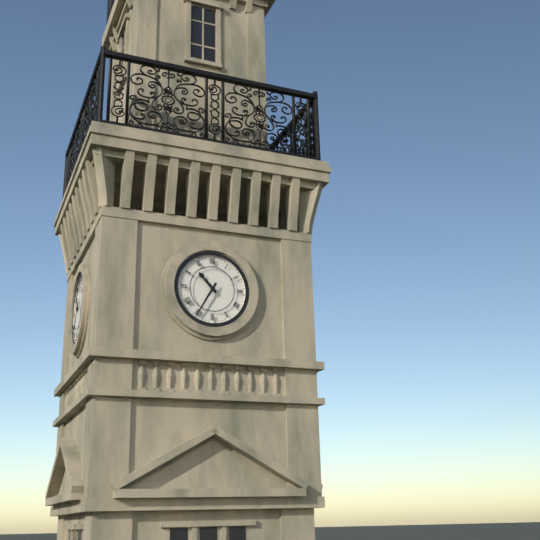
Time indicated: 10:35
